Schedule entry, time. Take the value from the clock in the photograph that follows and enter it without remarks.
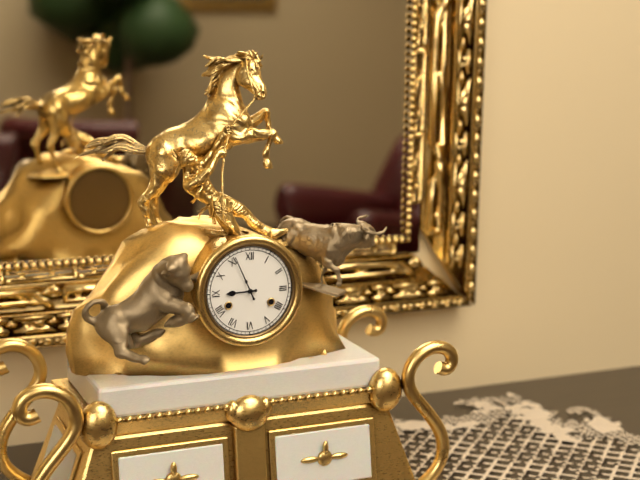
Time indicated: 8:56
